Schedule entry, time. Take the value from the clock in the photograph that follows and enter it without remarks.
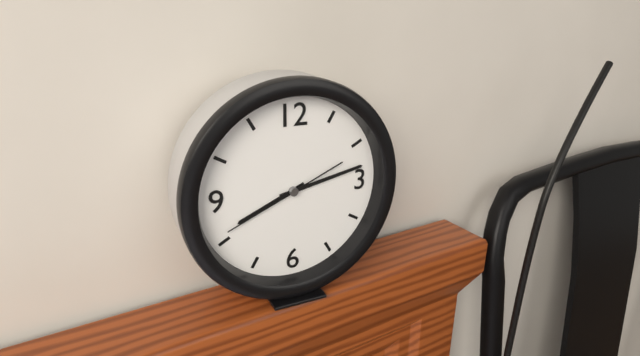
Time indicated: 8:13:41
